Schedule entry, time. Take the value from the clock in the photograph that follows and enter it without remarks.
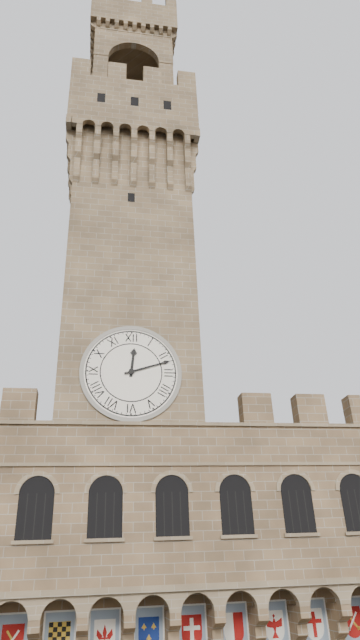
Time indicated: 12:12
